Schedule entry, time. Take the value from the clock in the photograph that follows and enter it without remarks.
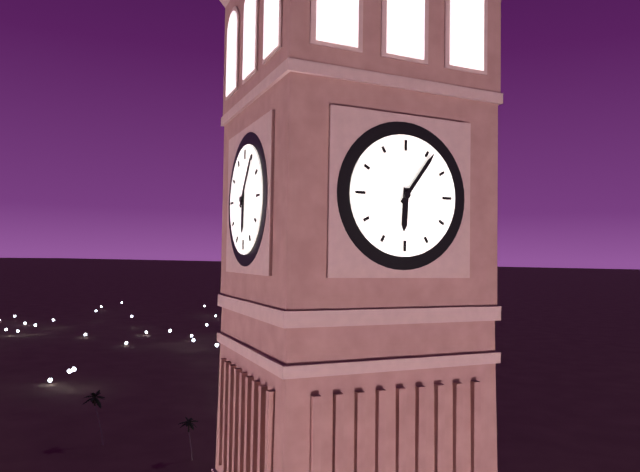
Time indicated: 6:06
